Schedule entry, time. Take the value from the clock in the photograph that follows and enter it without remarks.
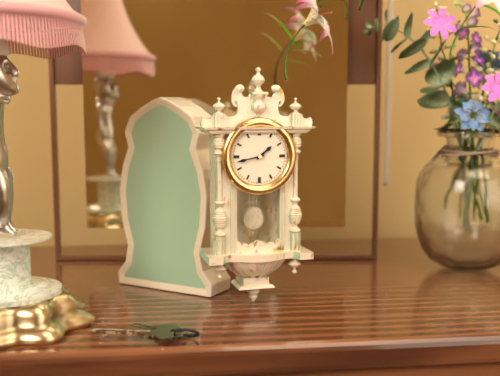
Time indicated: 1:43
